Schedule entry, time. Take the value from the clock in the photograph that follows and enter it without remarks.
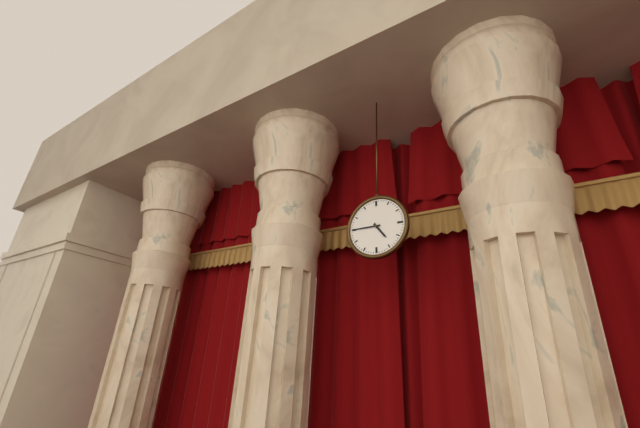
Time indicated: 4:45
